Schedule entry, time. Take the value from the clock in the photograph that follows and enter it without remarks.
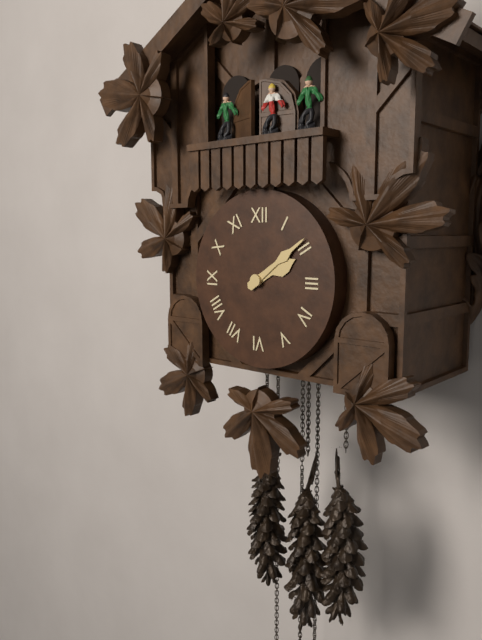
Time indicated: 2:09
